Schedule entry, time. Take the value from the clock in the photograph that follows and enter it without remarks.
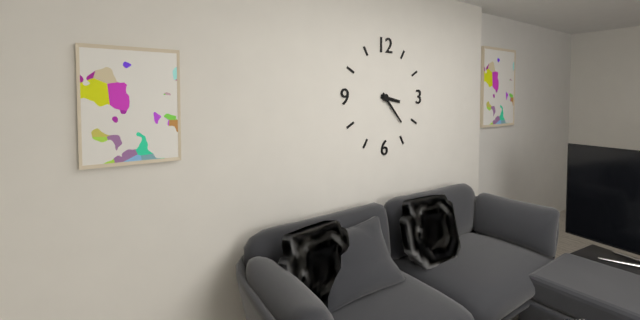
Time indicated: 3:23
